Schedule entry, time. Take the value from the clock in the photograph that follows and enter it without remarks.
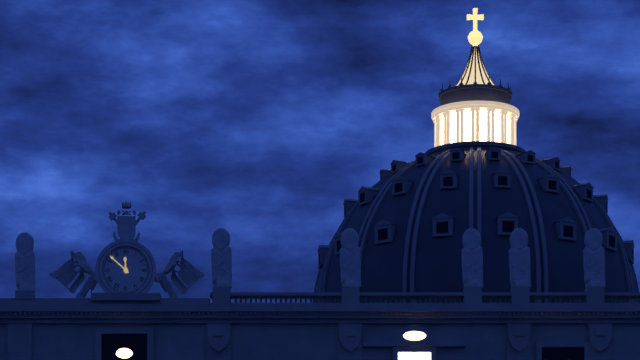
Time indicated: 11:52
